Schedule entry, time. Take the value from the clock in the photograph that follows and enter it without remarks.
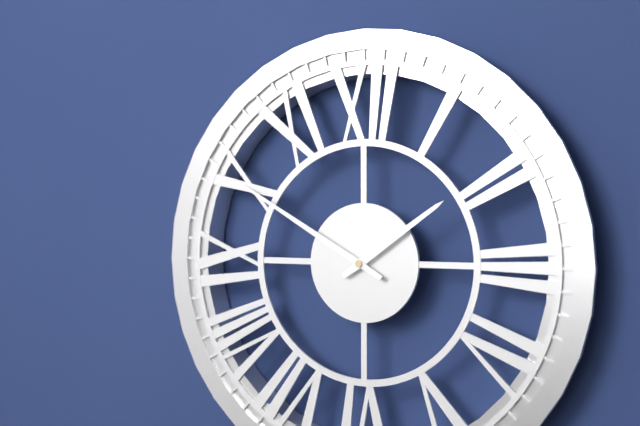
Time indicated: 1:50
